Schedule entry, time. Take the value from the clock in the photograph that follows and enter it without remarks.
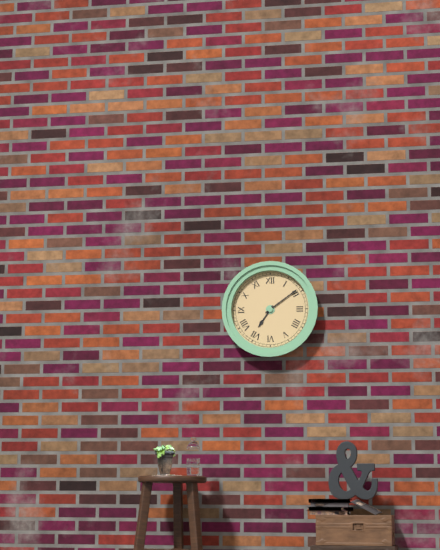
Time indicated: 7:09
